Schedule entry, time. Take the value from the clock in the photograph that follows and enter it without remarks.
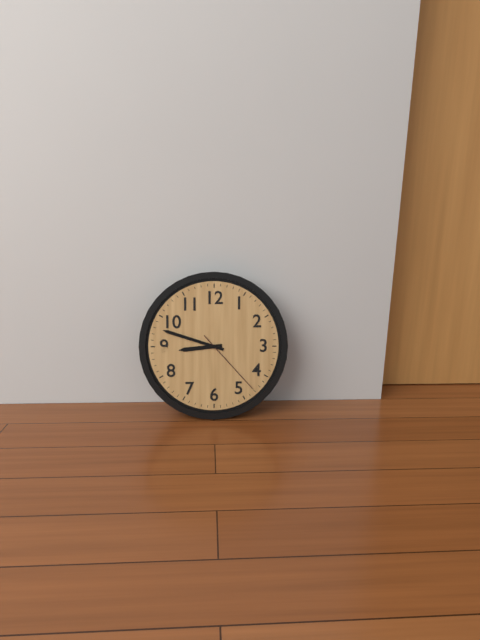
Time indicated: 8:48:23
